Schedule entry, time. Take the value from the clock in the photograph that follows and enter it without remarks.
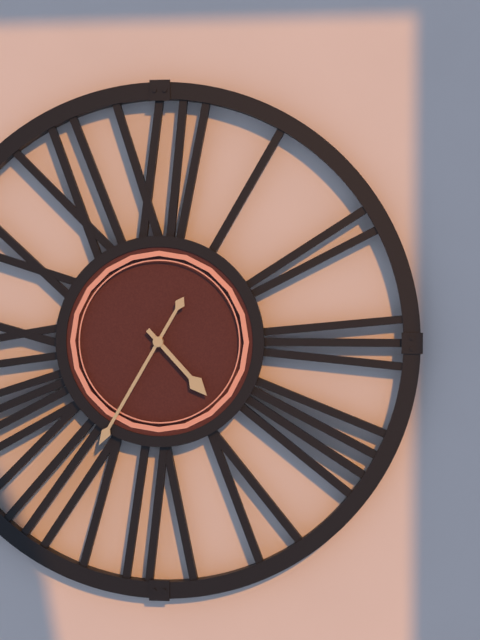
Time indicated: 4:35
